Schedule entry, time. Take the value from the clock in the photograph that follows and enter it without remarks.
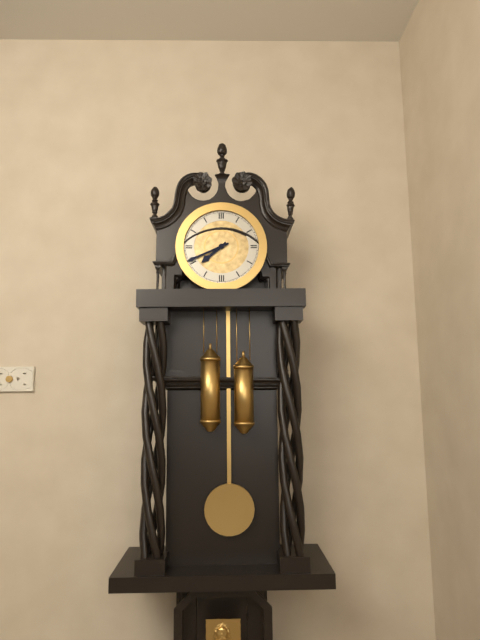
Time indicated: 7:41
